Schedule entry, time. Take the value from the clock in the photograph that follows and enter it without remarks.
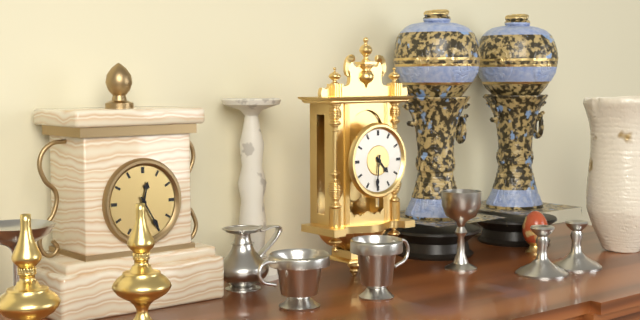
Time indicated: 4:31
